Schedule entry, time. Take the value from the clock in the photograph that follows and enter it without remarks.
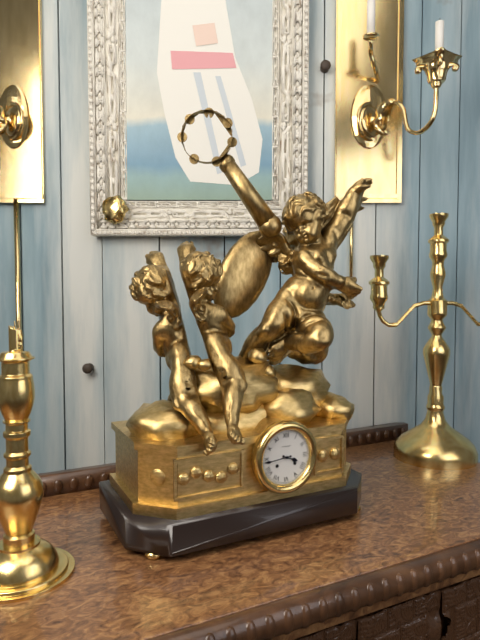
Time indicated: 3:44
